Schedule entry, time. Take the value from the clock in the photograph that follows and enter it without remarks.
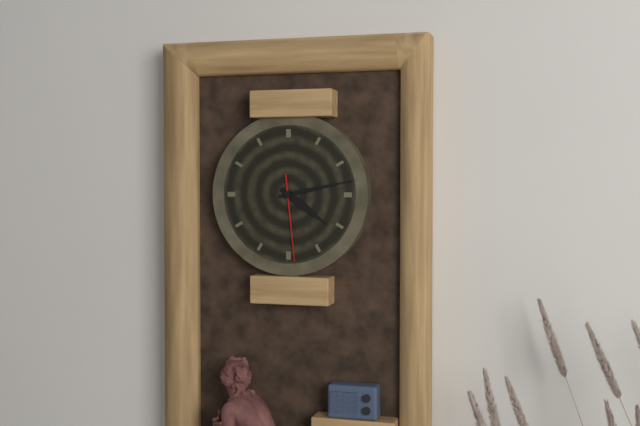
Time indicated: 4:13:29
